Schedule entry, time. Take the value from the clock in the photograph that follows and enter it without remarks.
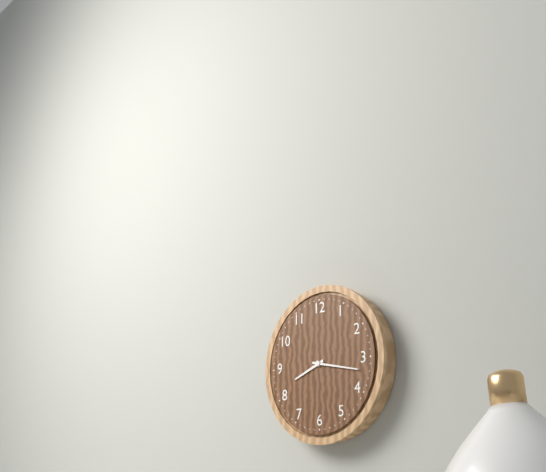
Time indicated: 8:17
